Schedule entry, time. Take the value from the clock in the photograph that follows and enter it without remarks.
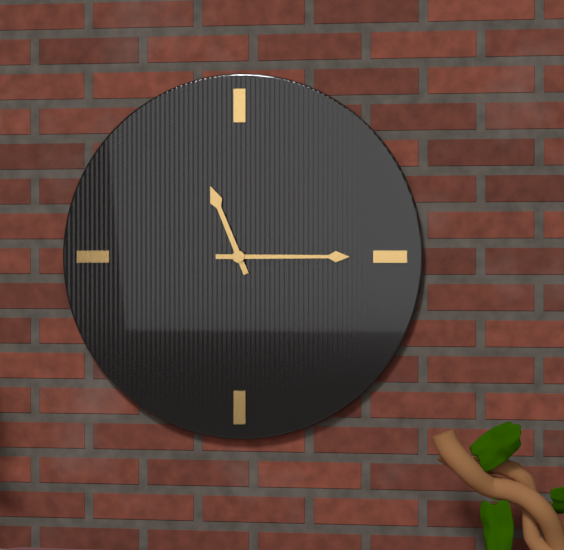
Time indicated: 11:15
